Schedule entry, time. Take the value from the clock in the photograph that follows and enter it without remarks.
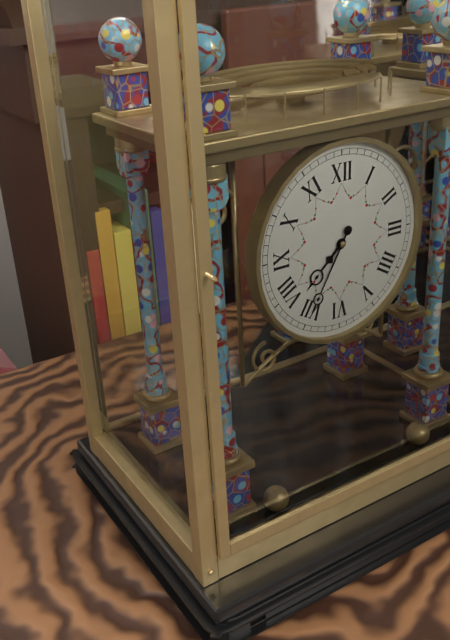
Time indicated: 7:35
